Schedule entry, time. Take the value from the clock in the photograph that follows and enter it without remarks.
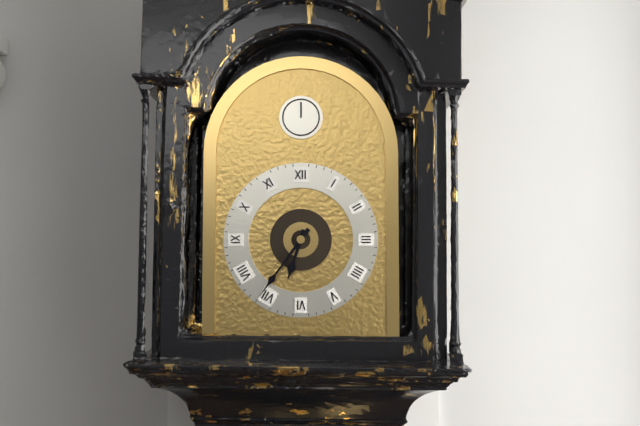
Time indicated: 6:36
